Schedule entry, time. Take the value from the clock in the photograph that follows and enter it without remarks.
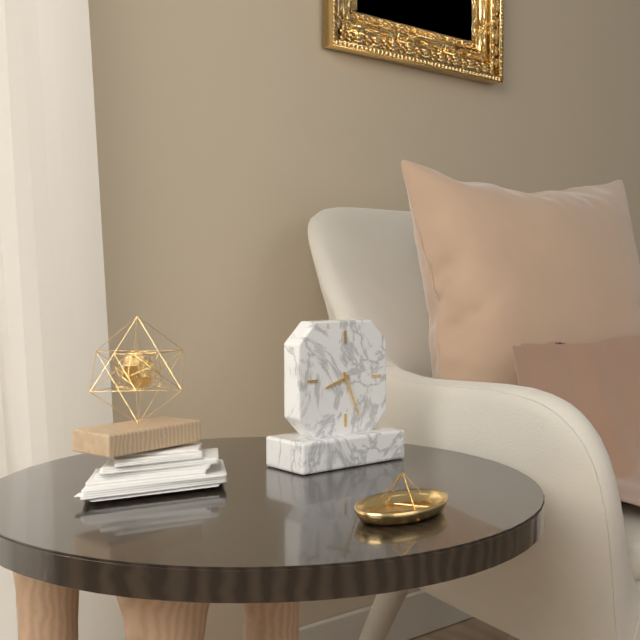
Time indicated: 8:26
